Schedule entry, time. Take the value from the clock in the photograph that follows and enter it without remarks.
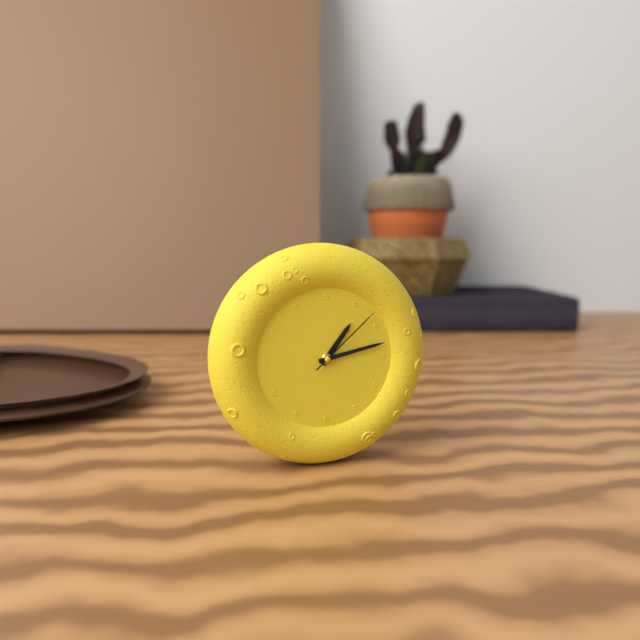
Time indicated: 1:13:08
